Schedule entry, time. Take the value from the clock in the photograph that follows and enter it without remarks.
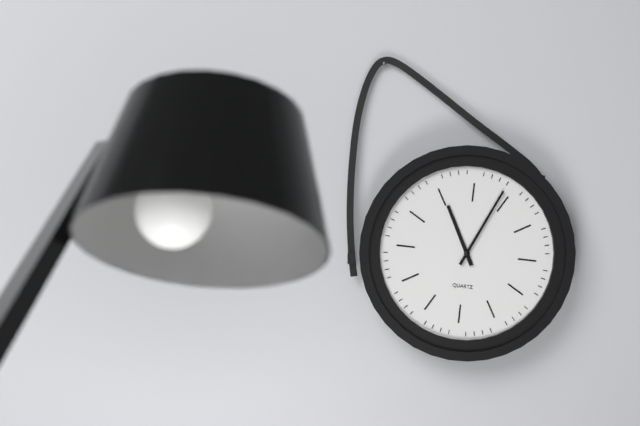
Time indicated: 11:04
